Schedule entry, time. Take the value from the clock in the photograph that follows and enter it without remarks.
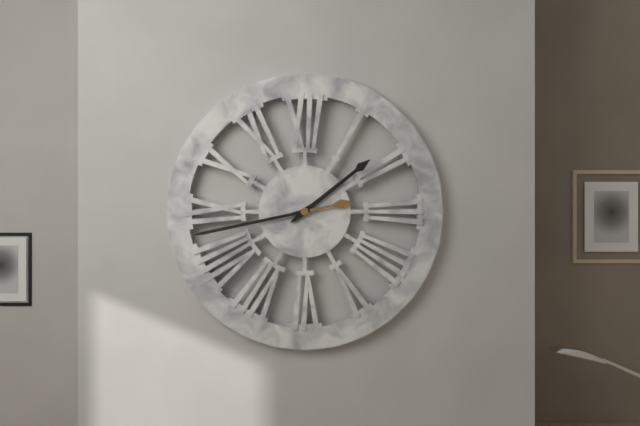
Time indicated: 1:43
